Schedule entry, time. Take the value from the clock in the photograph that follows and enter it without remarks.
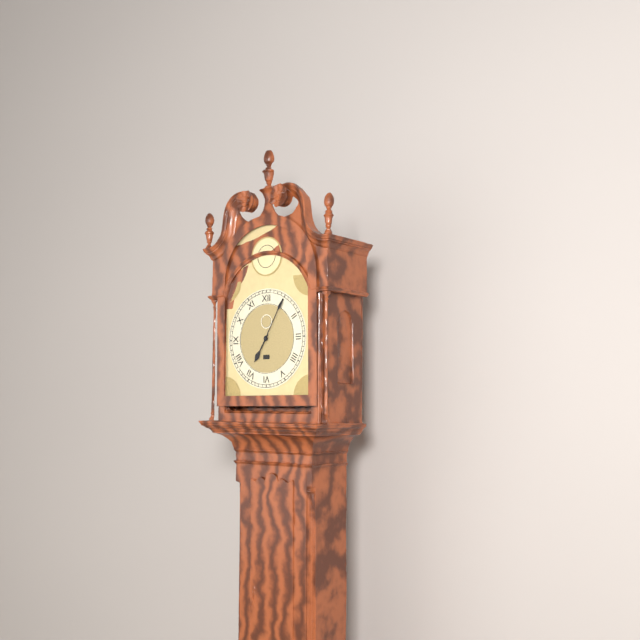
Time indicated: 7:05
